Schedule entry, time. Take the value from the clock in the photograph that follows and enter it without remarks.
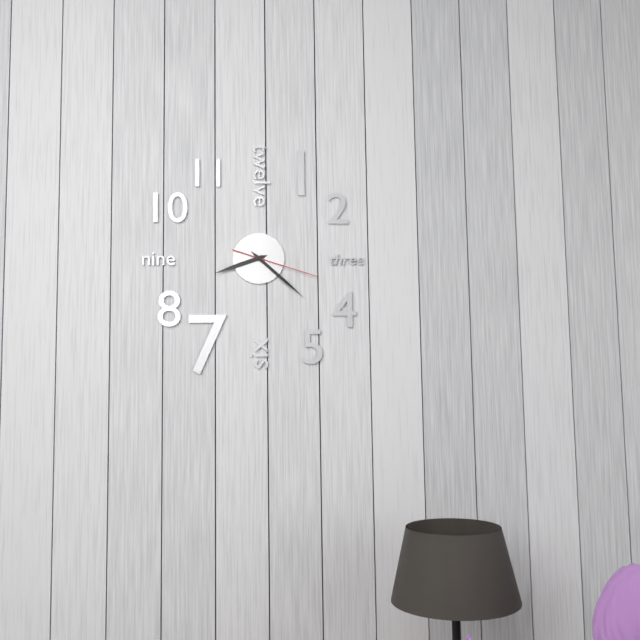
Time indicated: 8:22:18
